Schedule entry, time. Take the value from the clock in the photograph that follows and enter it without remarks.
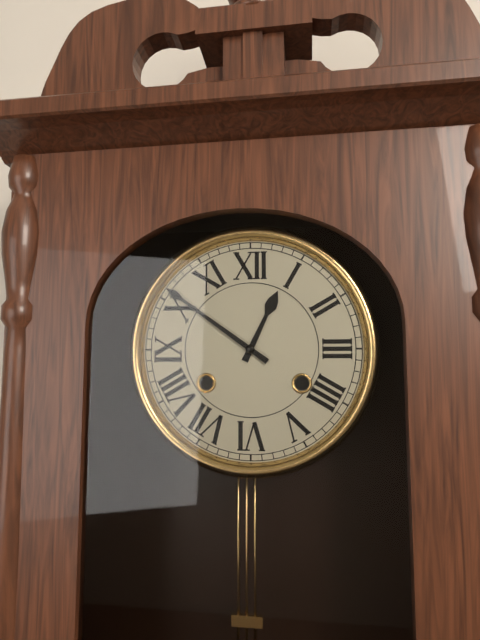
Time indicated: 12:51
